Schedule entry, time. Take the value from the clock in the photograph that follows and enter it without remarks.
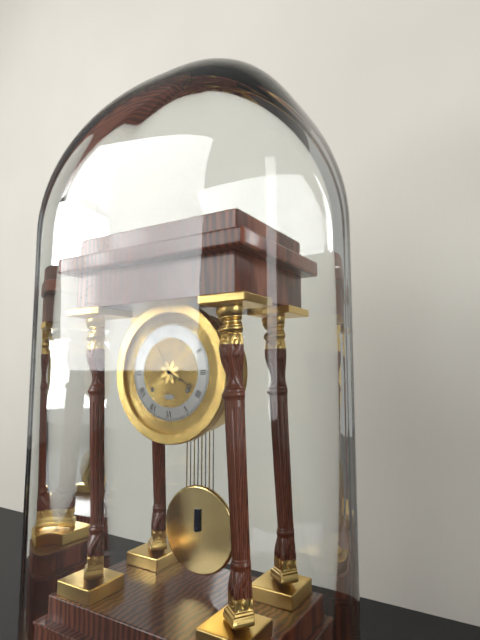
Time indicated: 3:55
